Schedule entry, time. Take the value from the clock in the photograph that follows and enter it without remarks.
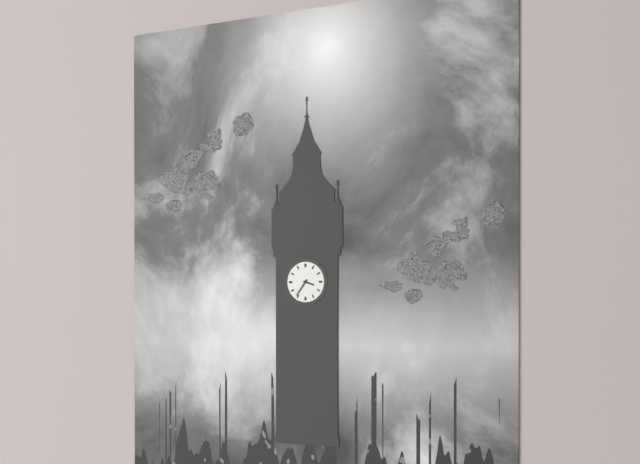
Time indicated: 3:36
